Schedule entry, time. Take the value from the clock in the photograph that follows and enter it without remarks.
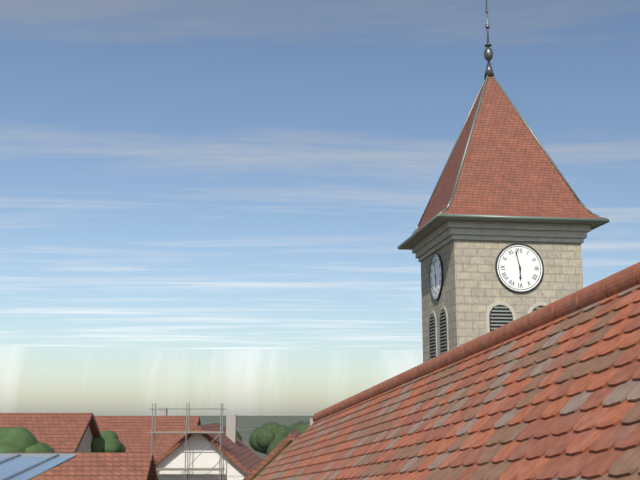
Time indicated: 5:58
